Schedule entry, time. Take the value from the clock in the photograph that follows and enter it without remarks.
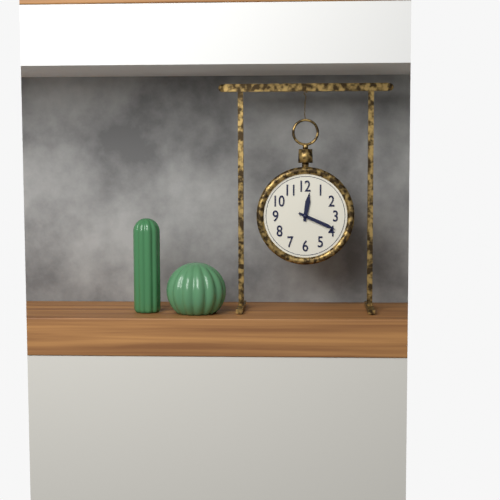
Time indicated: 12:19
